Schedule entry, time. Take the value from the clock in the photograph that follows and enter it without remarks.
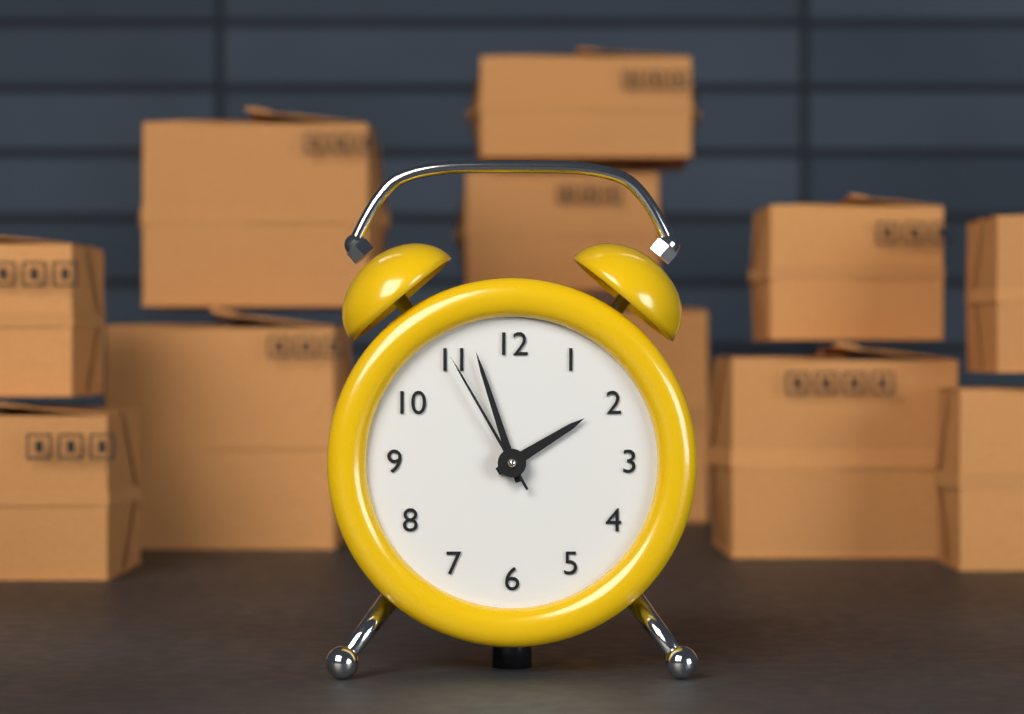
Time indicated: 1:57:55
